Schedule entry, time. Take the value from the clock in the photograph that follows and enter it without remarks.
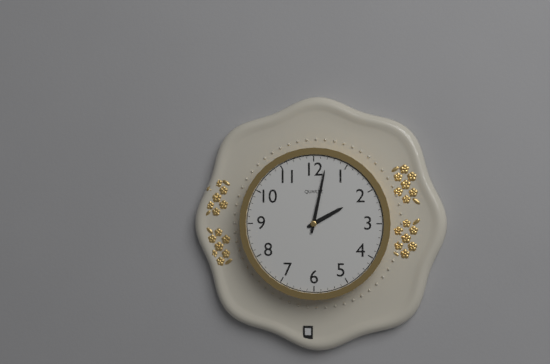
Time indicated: 2:02
